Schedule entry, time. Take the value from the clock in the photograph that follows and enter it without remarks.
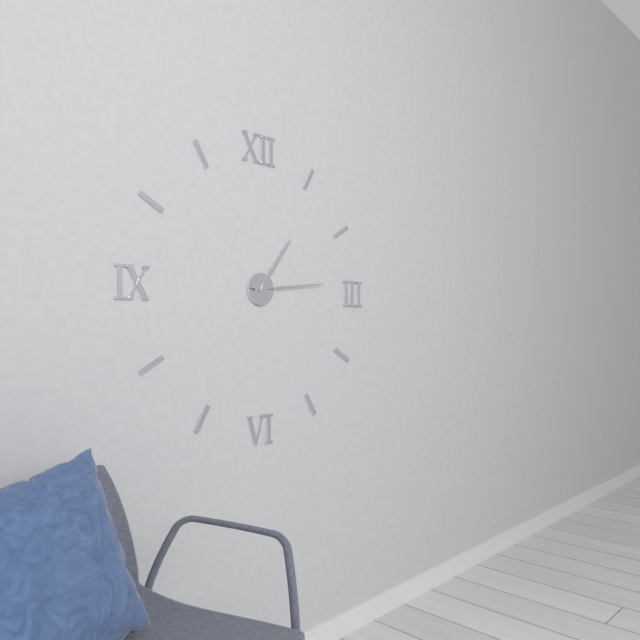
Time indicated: 1:14
